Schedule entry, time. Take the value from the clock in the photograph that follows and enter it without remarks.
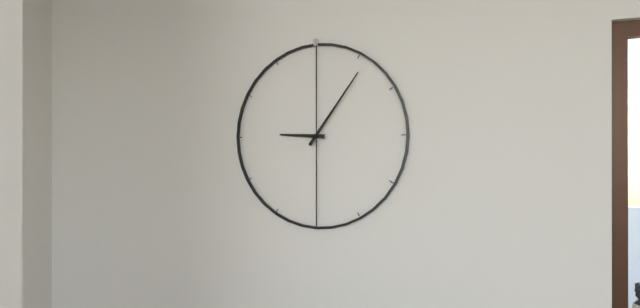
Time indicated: 9:06
